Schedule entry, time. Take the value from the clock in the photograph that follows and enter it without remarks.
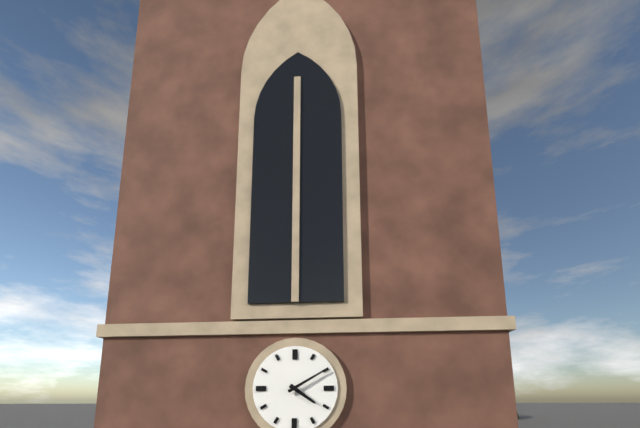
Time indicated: 4:10
